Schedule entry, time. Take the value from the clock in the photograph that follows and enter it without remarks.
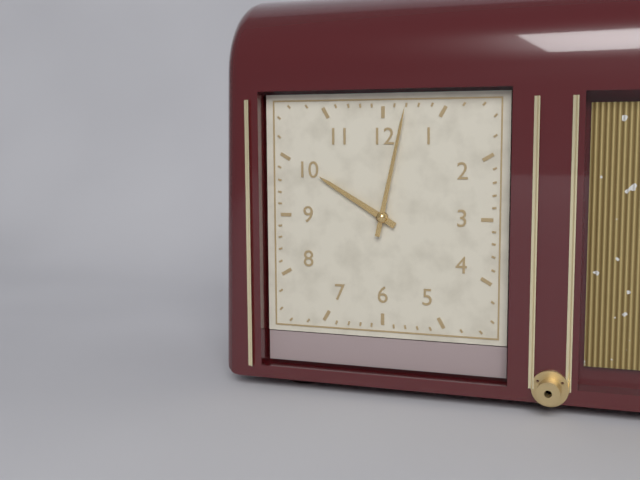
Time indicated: 10:02
